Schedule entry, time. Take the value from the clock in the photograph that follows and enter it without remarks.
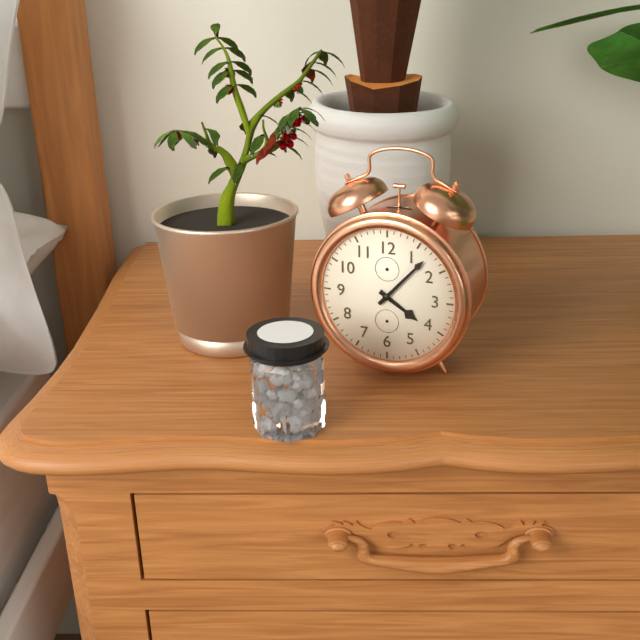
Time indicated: 4:07
